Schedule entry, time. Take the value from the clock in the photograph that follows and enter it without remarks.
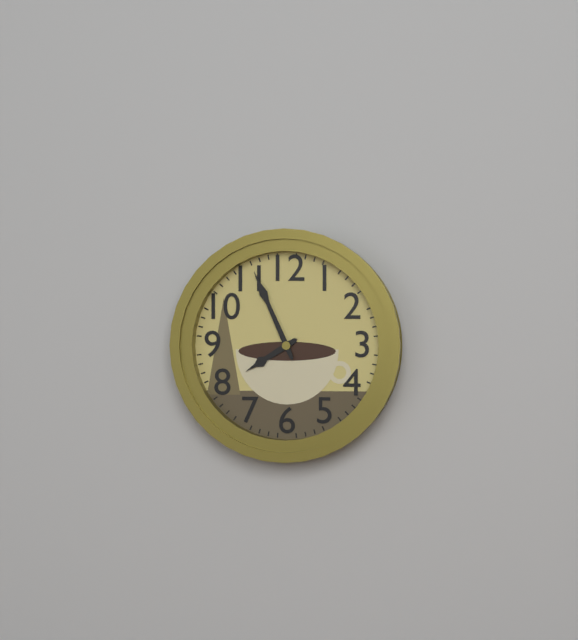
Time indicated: 7:56
